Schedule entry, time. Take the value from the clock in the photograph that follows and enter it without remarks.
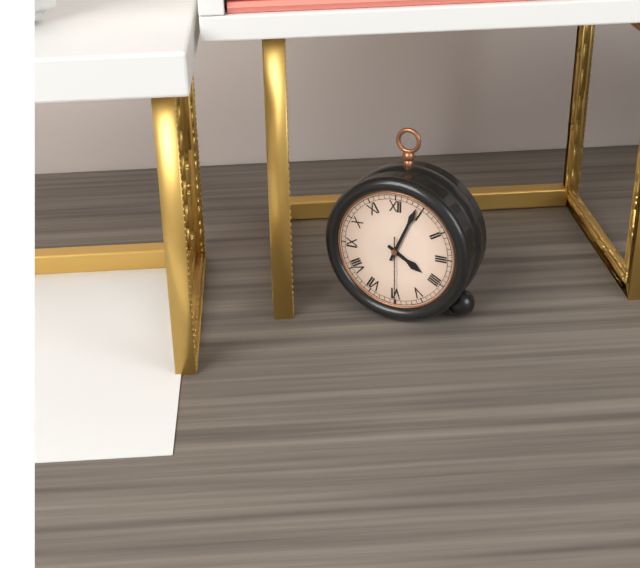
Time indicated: 4:04:30
